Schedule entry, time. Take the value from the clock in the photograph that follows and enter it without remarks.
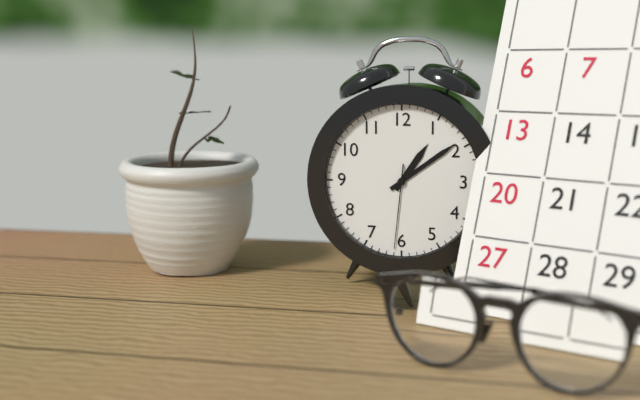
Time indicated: 1:09:31
